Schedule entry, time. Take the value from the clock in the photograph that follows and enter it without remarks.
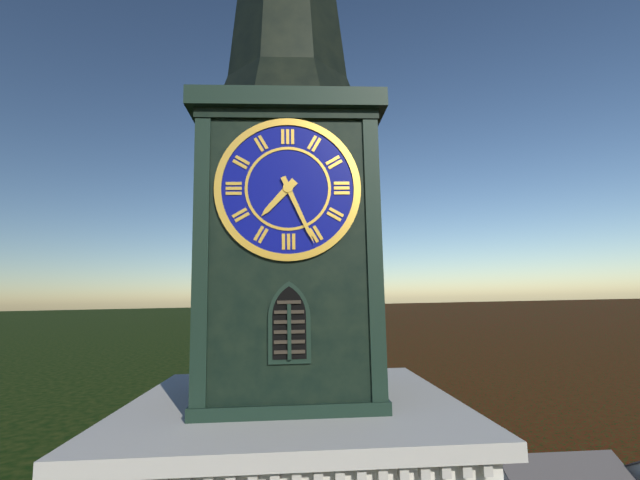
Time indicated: 7:26
